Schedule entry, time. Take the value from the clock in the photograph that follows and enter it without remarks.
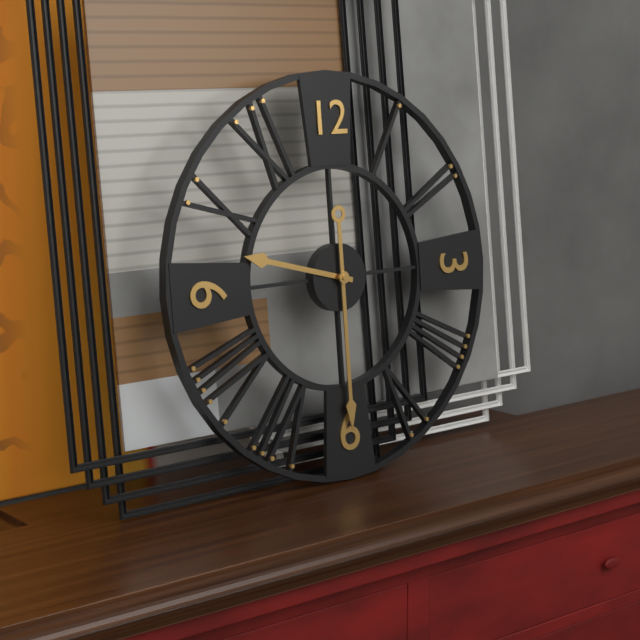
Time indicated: 9:30
